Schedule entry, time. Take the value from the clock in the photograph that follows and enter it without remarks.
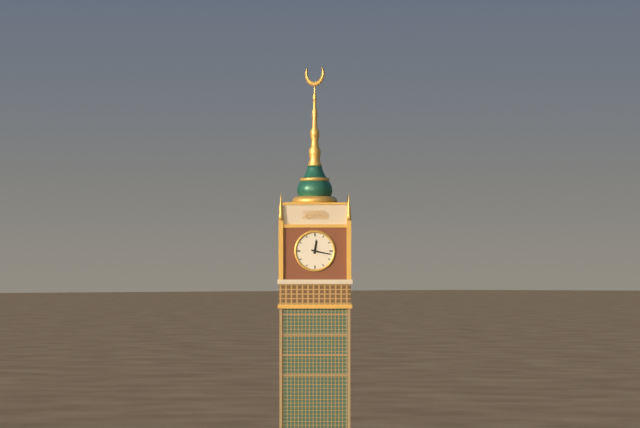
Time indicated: 12:17
